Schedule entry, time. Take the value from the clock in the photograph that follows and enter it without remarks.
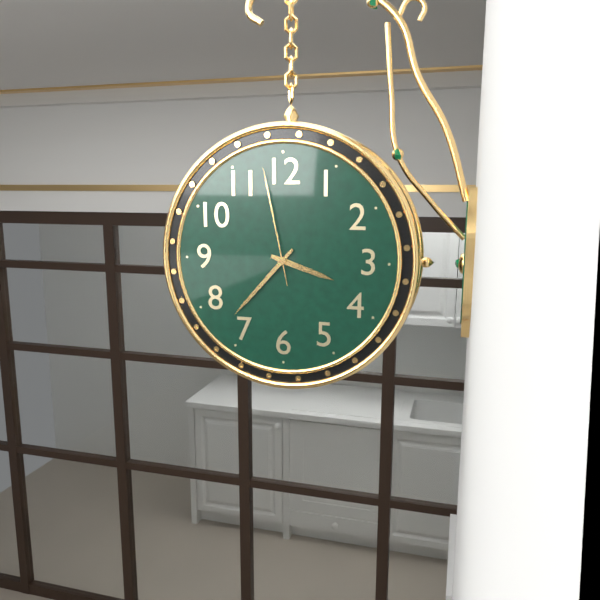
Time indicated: 3:37:58
